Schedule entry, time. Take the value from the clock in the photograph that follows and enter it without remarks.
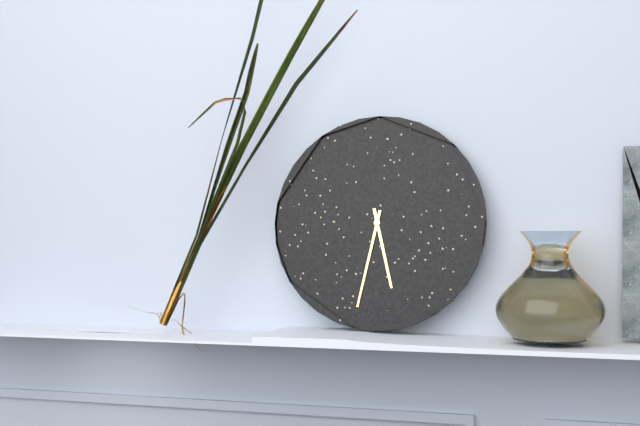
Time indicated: 5:32
